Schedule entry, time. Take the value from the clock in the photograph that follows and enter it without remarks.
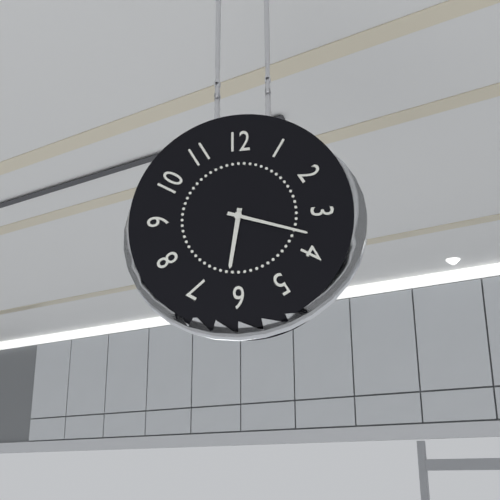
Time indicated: 6:18
